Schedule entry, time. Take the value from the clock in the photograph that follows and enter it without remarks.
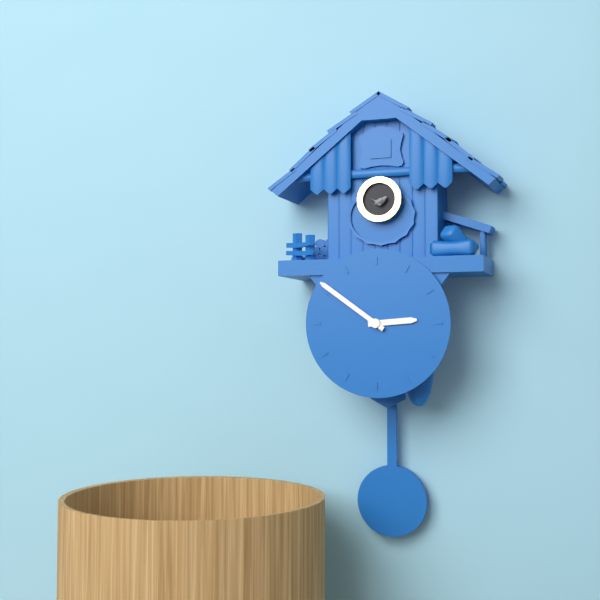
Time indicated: 2:51
